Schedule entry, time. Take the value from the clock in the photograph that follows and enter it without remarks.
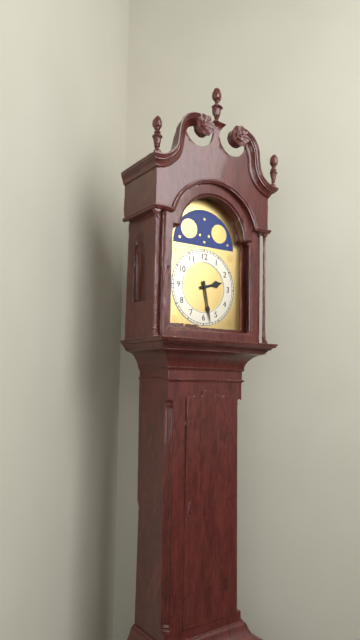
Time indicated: 2:28
